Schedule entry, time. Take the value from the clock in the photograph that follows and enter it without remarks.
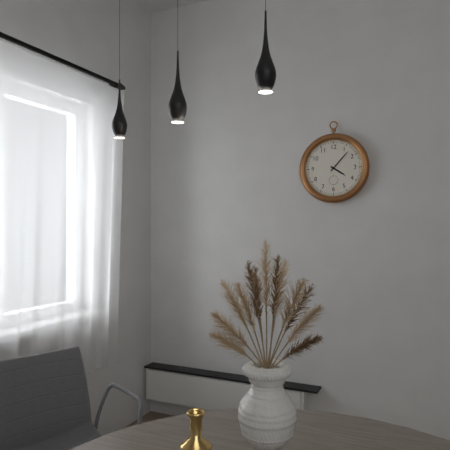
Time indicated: 4:07
